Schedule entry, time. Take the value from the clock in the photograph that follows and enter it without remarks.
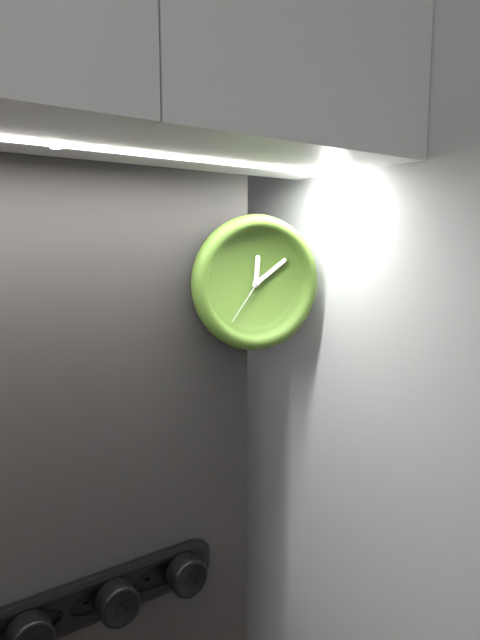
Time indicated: 12:09:36
